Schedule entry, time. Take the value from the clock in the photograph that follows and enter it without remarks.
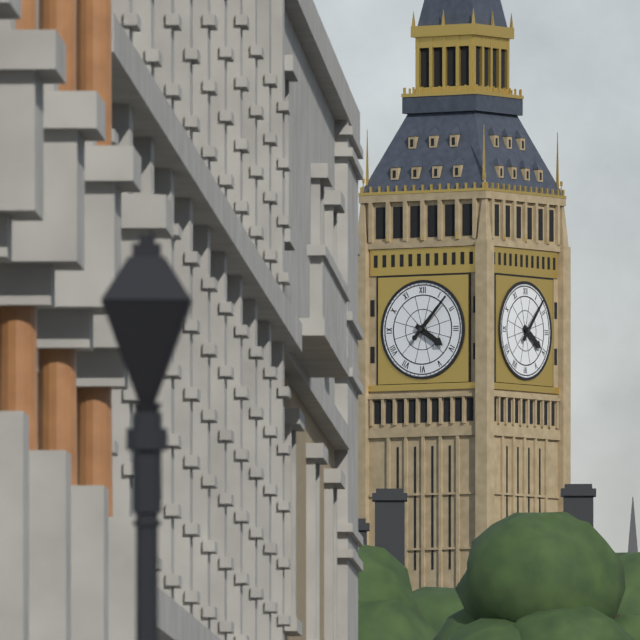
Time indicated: 4:07
